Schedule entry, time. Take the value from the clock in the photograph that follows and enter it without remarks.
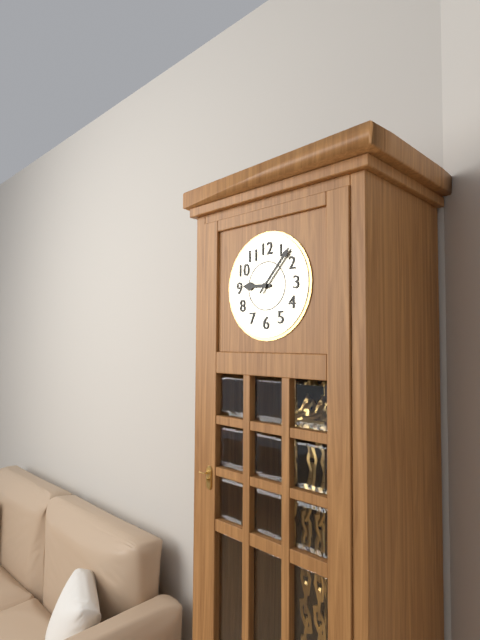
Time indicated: 9:07
